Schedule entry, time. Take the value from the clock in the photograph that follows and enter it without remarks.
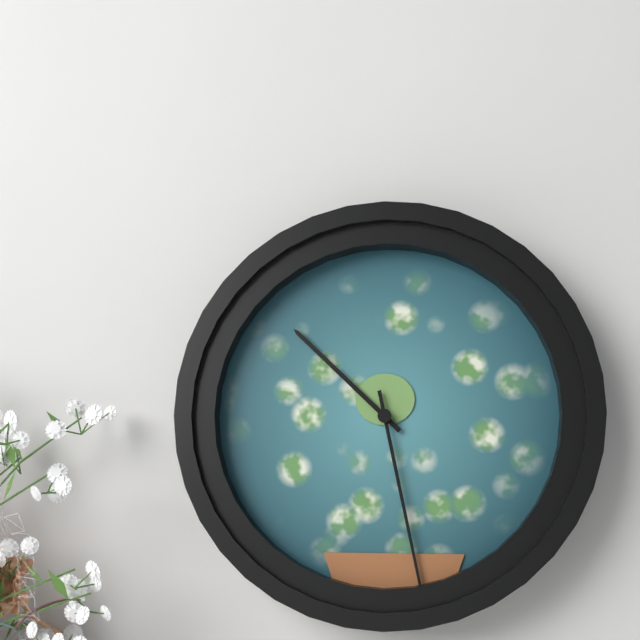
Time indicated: 10:28
